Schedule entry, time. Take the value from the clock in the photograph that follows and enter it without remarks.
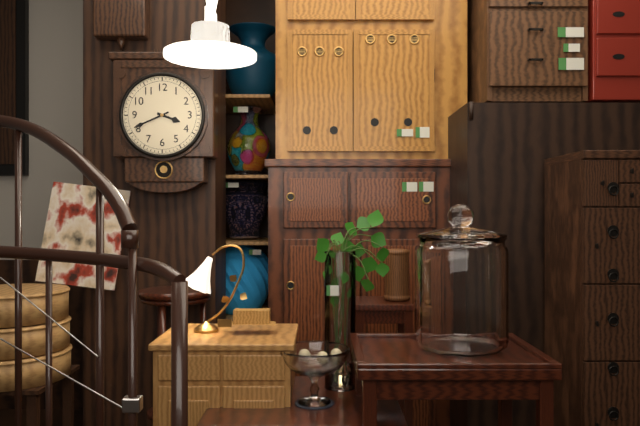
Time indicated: 3:41
